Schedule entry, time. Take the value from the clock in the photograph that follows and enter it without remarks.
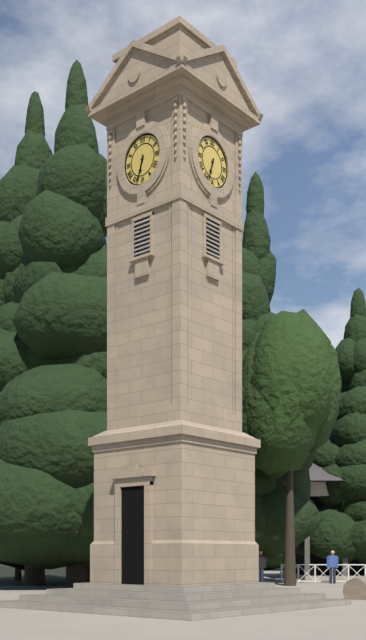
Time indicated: 6:33
